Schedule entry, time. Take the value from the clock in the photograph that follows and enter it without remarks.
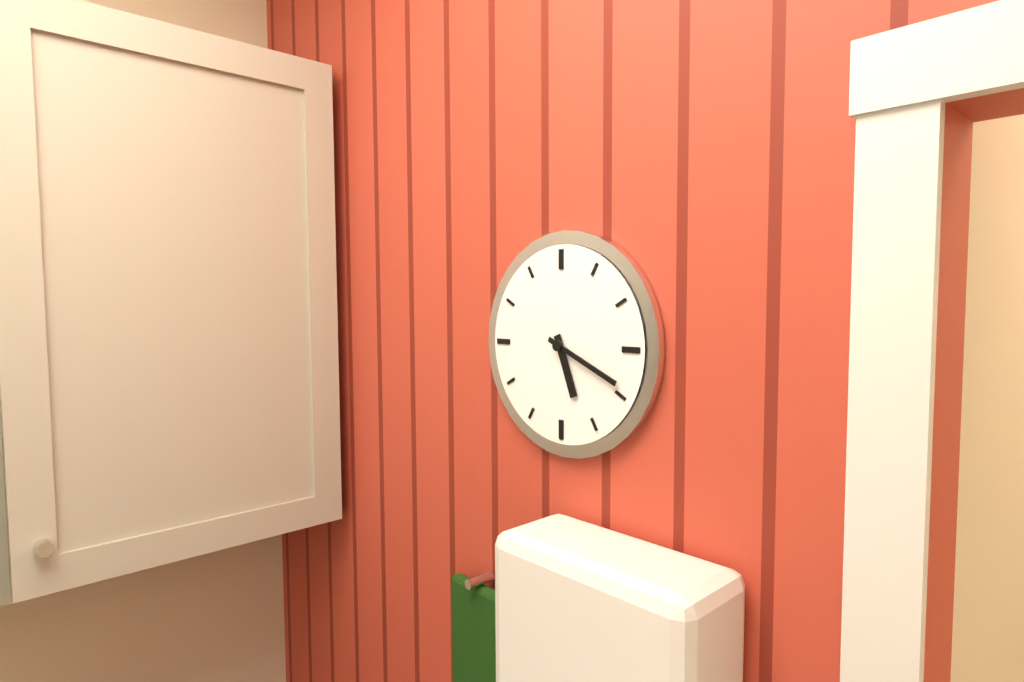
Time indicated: 5:19
